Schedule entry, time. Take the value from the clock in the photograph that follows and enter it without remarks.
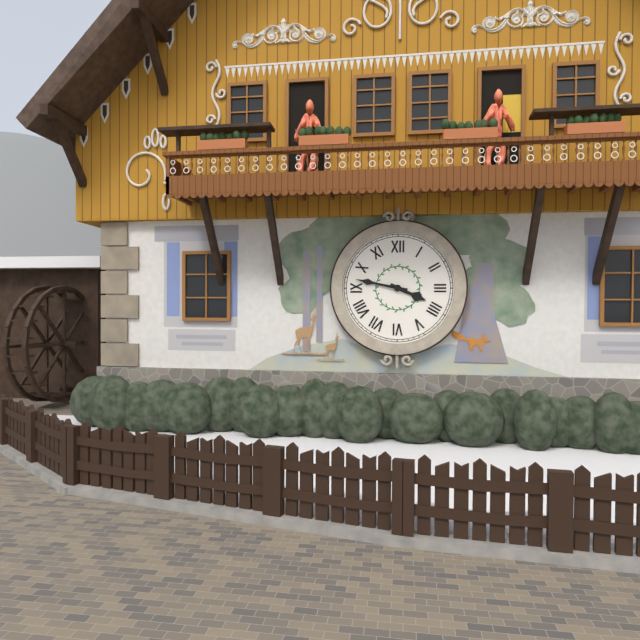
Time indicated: 3:47
